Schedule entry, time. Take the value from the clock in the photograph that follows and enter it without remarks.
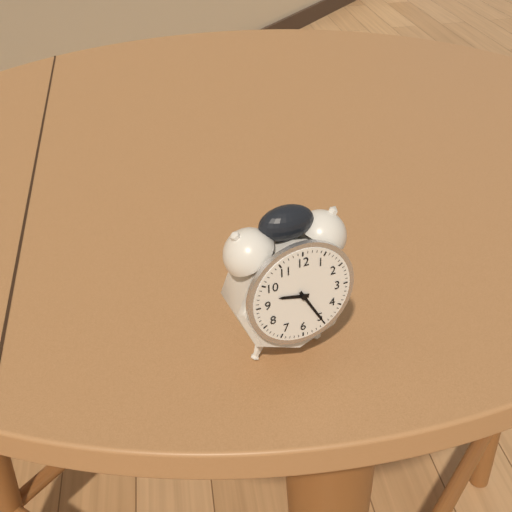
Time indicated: 9:25
